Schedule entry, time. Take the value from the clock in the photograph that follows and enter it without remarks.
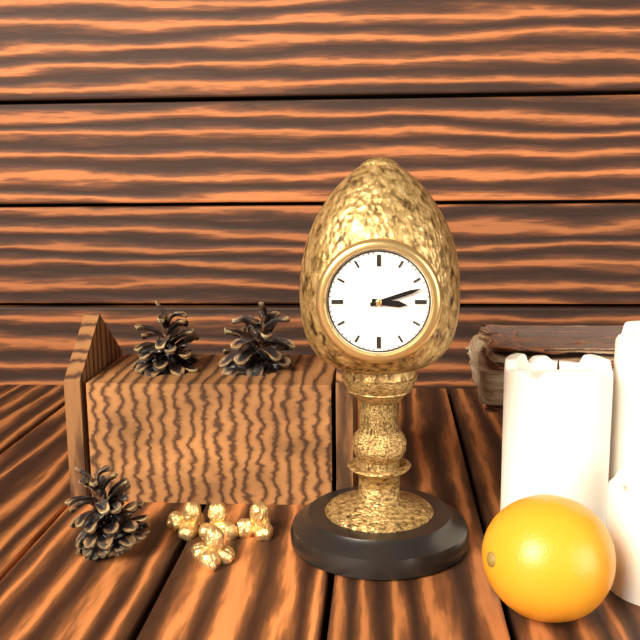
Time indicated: 3:12
